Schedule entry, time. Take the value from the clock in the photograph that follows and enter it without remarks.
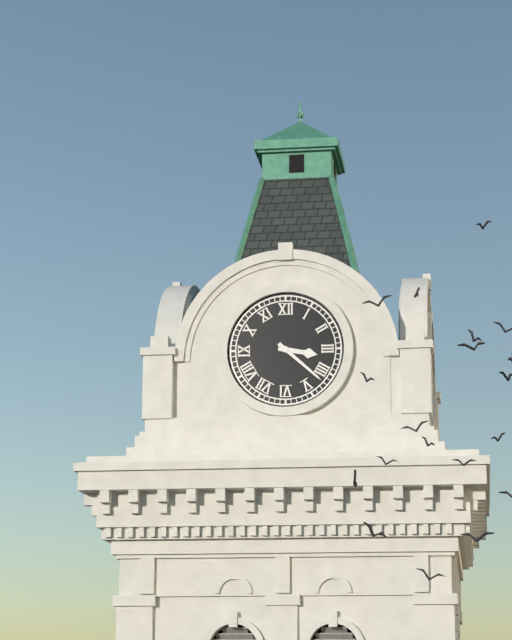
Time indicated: 3:22
